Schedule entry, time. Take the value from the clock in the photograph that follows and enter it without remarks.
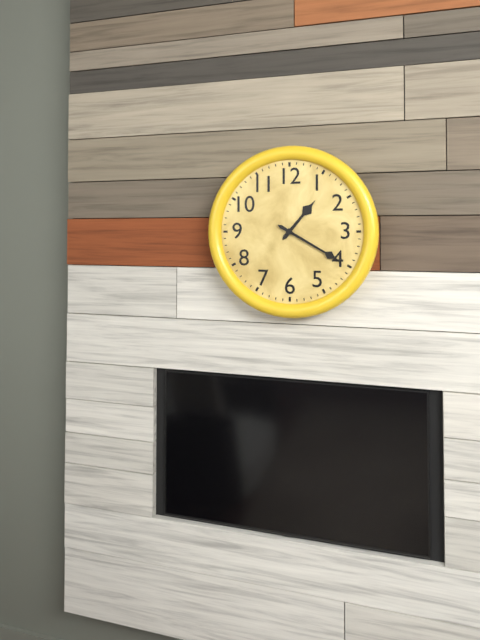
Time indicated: 1:20
